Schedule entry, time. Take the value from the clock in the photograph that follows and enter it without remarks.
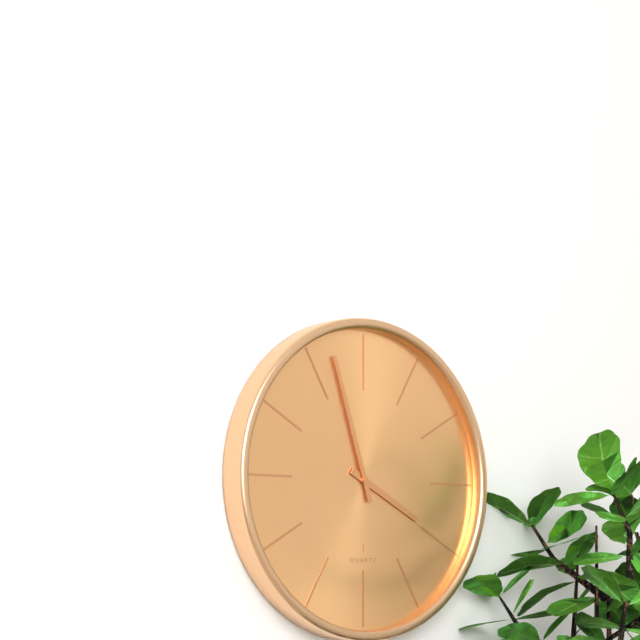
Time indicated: 3:57
